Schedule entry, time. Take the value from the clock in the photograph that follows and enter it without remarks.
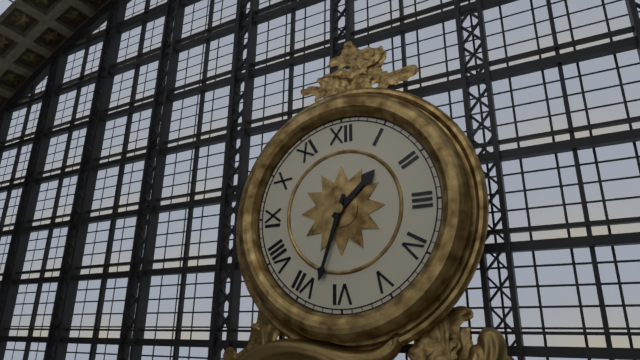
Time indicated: 1:33
